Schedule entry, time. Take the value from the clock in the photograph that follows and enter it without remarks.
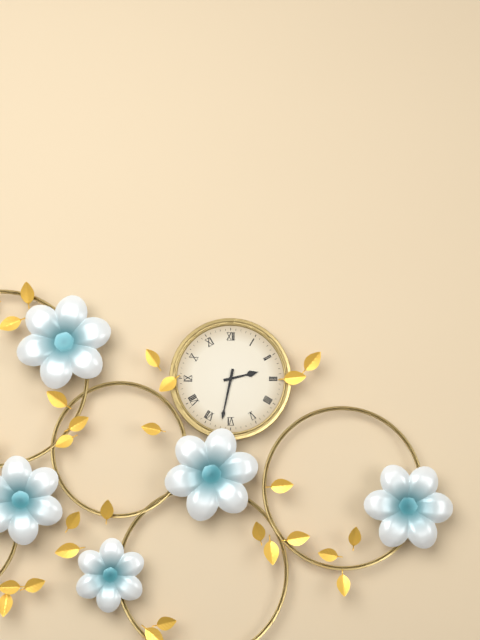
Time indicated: 2:32
